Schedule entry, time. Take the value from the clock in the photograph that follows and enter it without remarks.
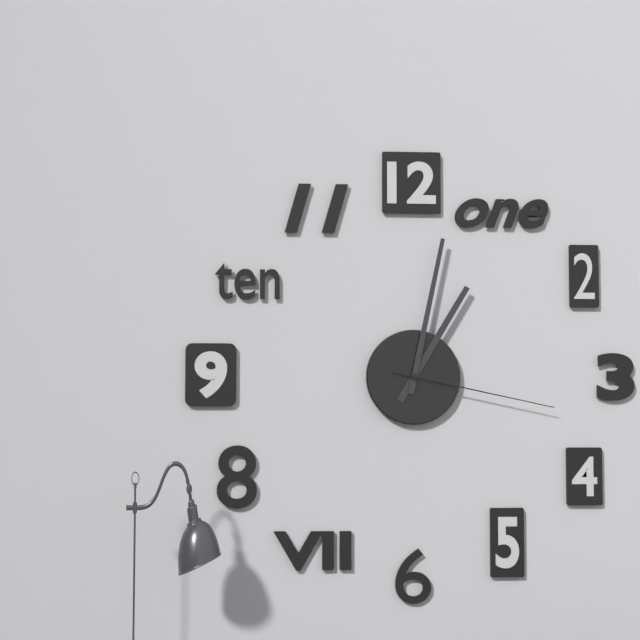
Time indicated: 1:02:17
